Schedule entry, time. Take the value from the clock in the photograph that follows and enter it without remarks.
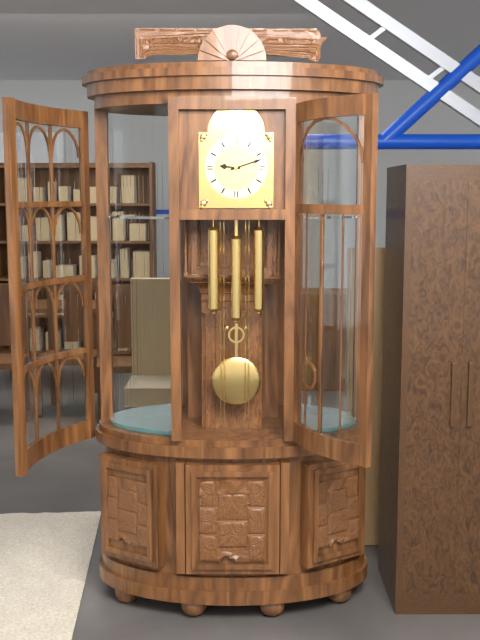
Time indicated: 9:12
